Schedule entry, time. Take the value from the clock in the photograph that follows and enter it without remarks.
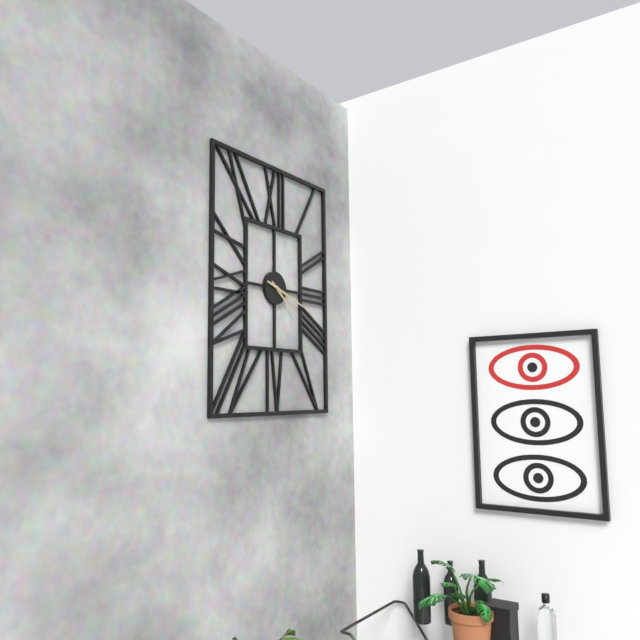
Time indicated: 4:18
